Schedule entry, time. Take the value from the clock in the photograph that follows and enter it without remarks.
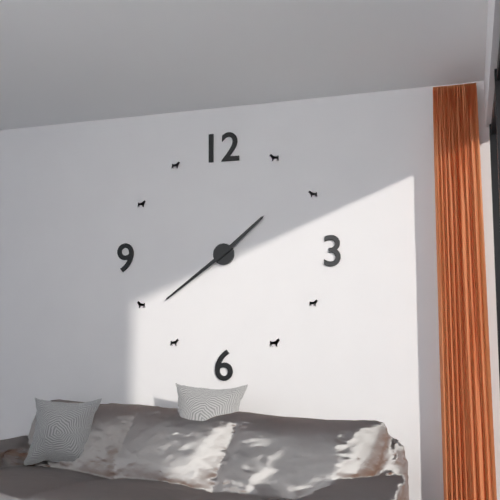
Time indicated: 1:39
